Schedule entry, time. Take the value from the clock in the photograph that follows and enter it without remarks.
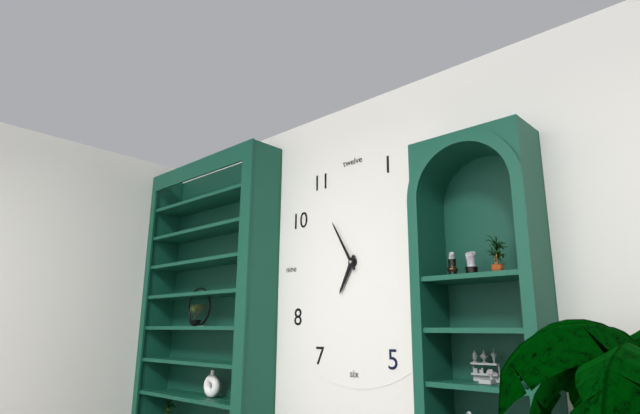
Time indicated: 6:55
